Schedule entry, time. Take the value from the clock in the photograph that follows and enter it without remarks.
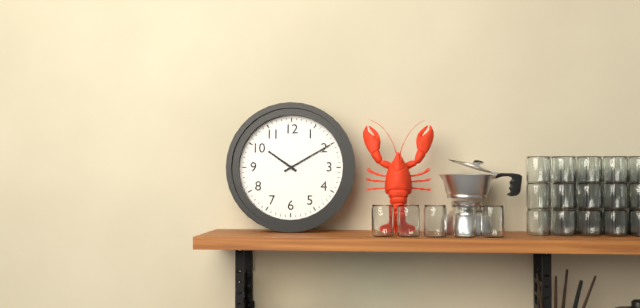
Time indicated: 10:10
